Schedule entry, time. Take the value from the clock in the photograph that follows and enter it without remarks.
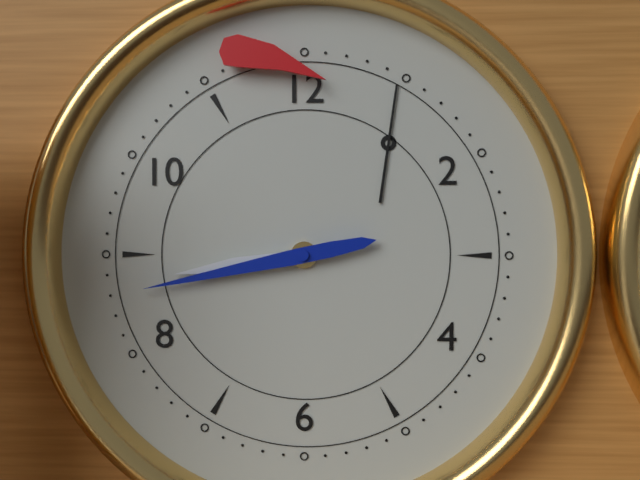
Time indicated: 8:43
